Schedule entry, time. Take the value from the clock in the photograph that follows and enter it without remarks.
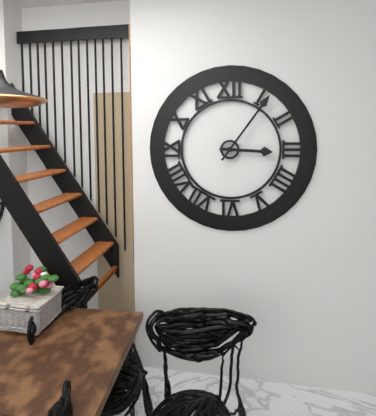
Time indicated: 3:06
